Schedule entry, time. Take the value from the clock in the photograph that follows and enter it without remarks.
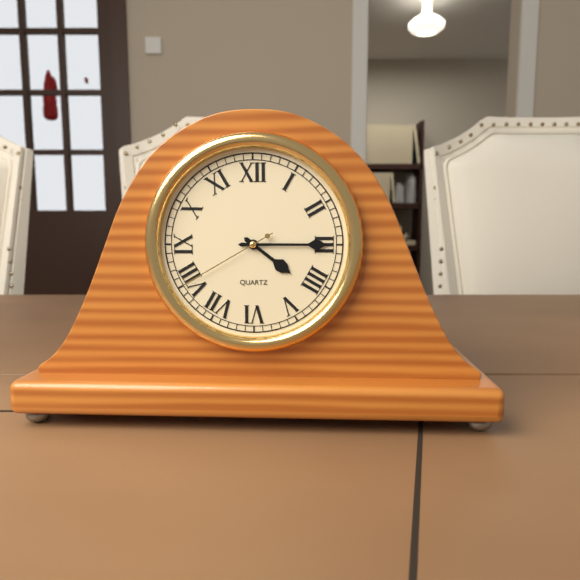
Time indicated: 4:15:40
